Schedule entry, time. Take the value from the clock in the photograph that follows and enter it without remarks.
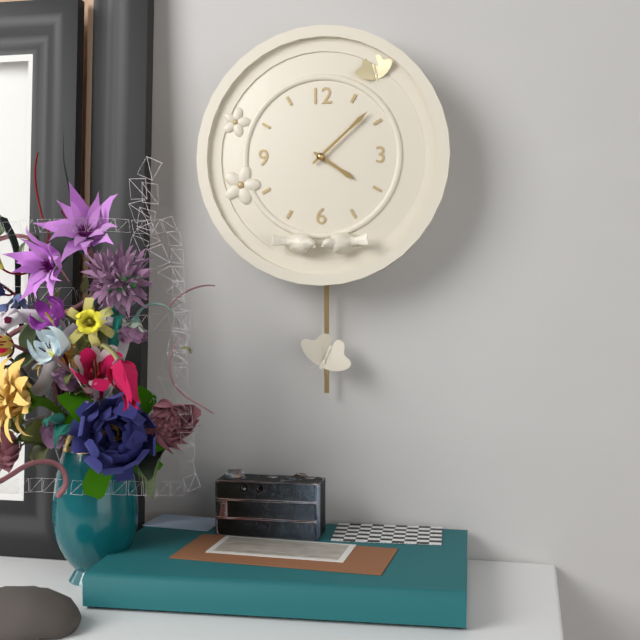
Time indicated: 4:08
